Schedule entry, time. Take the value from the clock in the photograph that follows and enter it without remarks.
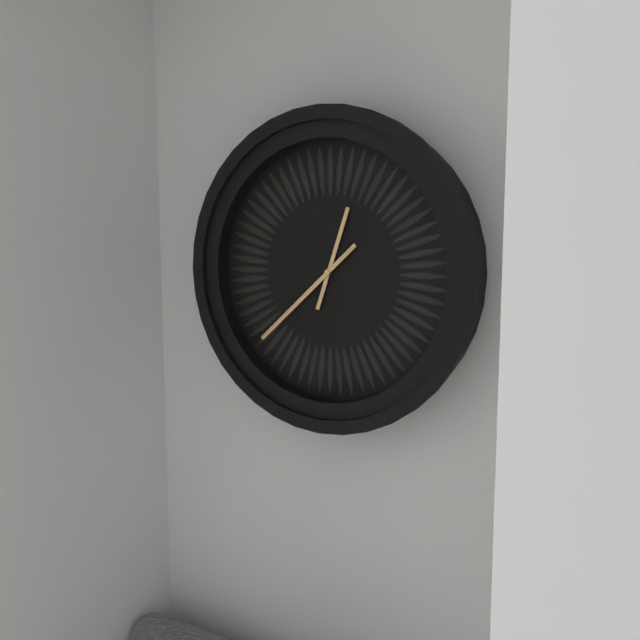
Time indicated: 12:38
